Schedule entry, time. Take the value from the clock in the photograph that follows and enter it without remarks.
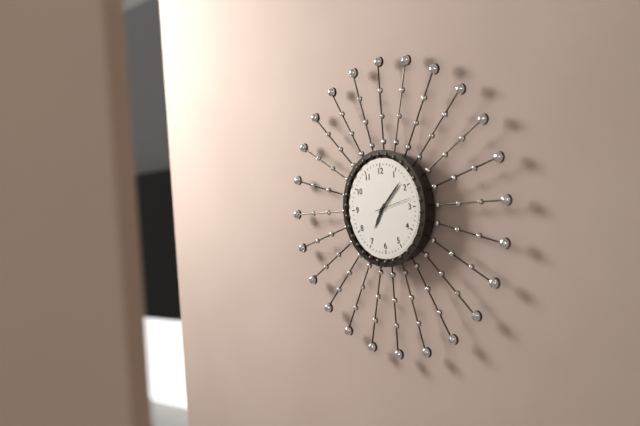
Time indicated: 7:08
